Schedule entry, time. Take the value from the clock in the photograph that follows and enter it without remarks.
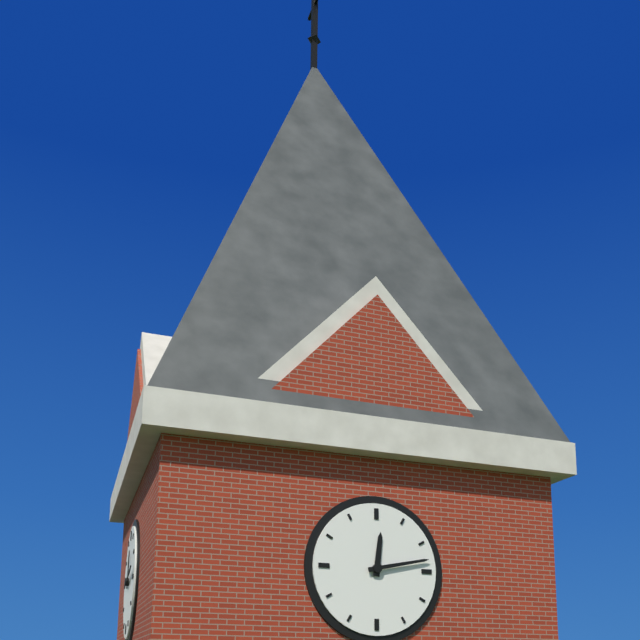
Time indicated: 12:13
